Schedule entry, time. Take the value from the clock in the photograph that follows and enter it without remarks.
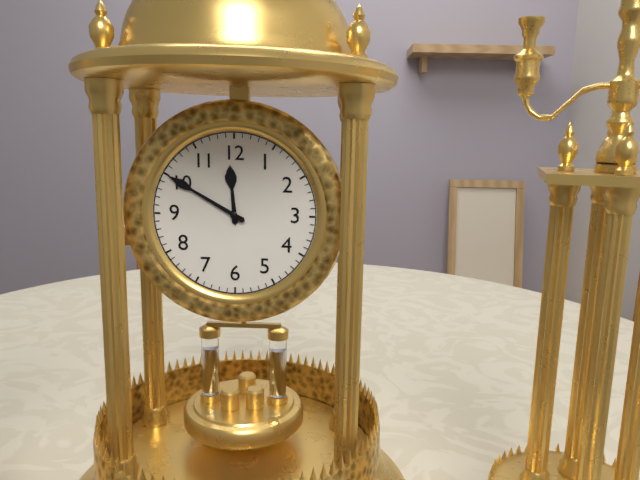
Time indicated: 11:50
